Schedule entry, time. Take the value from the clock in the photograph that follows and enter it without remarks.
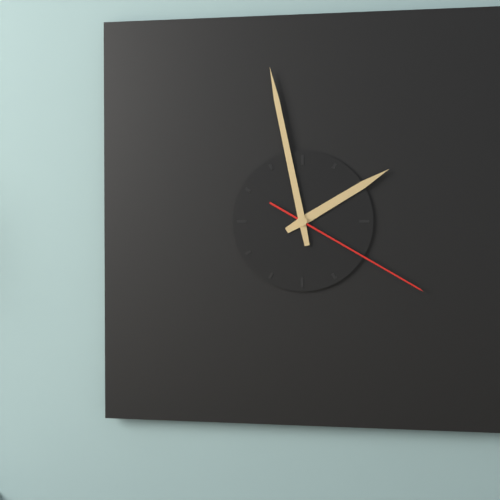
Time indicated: 1:58:20
